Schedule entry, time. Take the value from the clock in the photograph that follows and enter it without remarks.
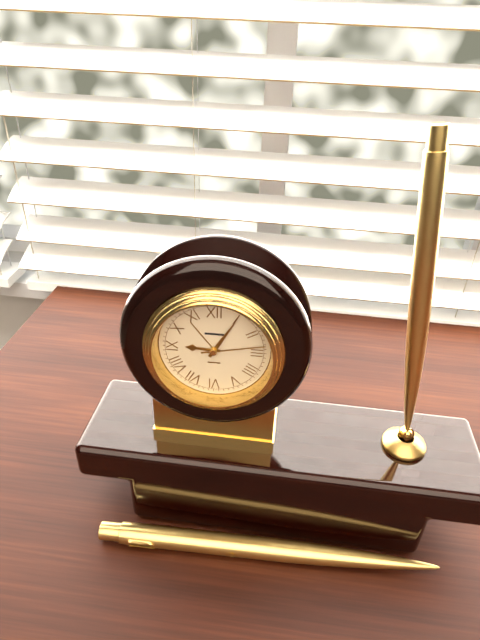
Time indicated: 9:05:13
